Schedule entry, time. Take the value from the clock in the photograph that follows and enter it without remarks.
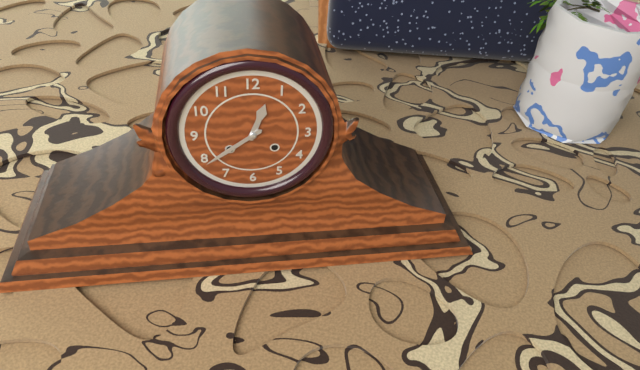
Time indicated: 12:39
